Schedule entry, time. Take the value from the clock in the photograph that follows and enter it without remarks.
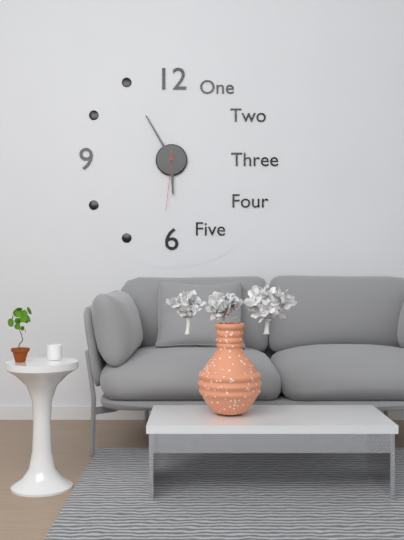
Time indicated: 5:55:31
